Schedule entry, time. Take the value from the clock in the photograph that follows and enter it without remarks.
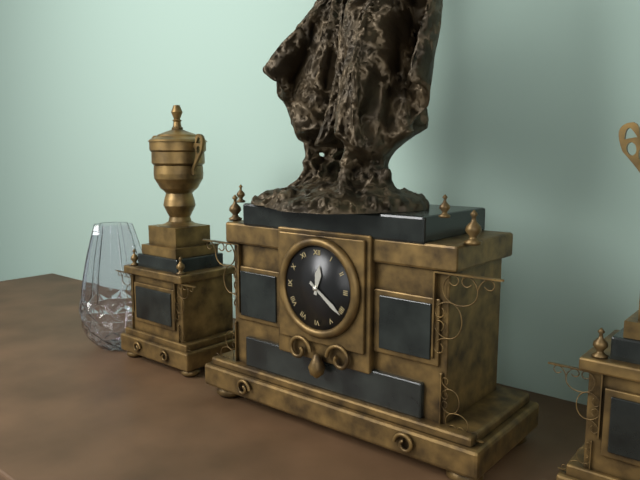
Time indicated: 12:21
